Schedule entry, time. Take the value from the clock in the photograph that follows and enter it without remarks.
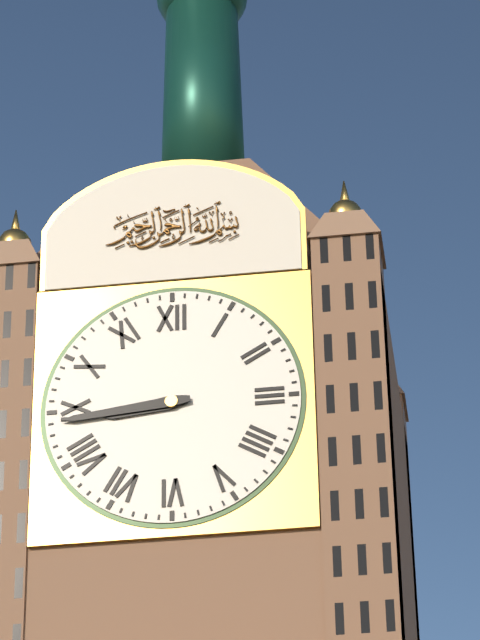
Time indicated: 8:44
